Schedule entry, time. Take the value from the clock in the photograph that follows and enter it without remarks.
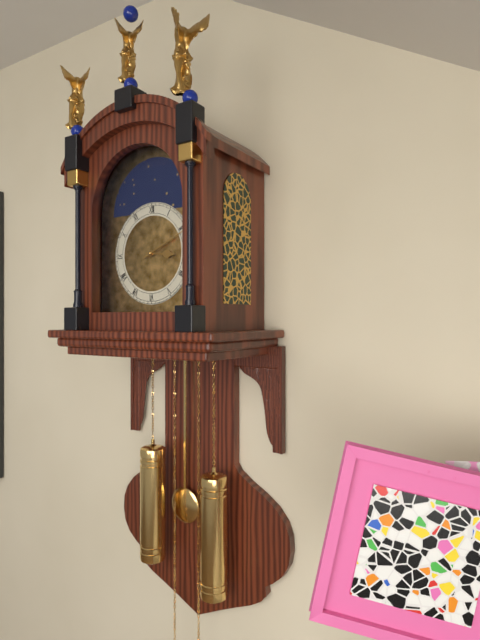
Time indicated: 3:11
